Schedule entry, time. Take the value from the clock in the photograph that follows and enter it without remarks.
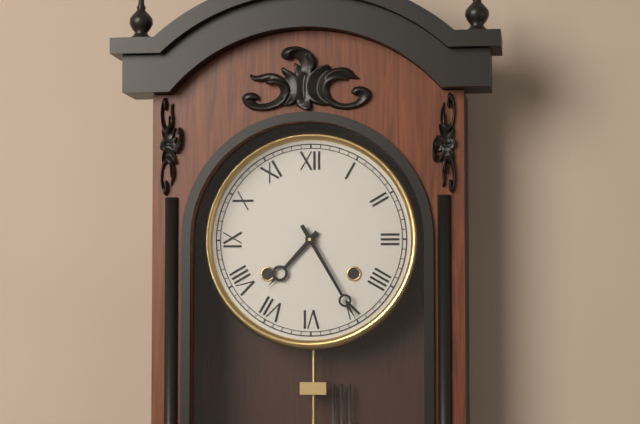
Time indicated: 7:25
